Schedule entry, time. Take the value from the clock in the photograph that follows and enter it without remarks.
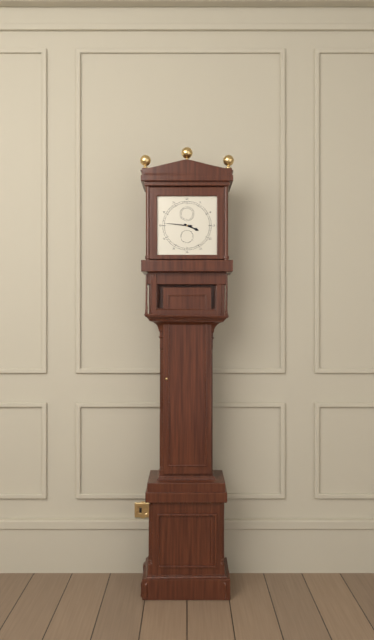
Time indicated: 3:46
